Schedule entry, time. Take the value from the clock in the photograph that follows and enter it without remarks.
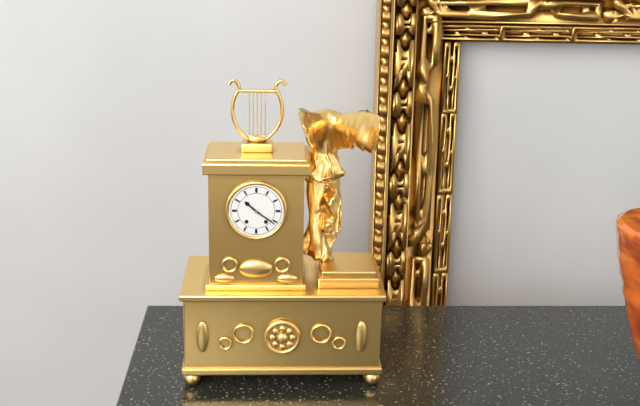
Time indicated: 10:21
